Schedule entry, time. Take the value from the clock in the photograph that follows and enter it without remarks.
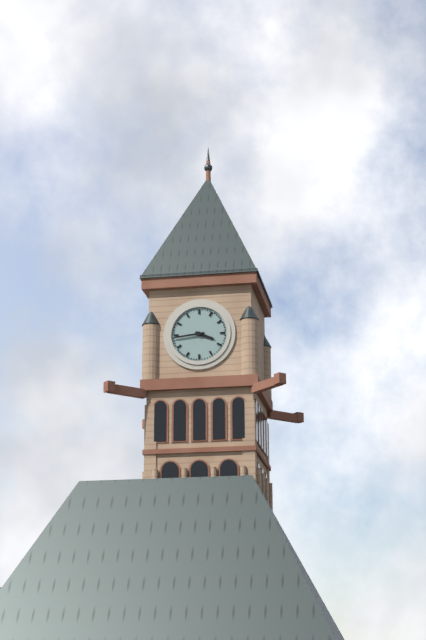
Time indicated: 3:44
